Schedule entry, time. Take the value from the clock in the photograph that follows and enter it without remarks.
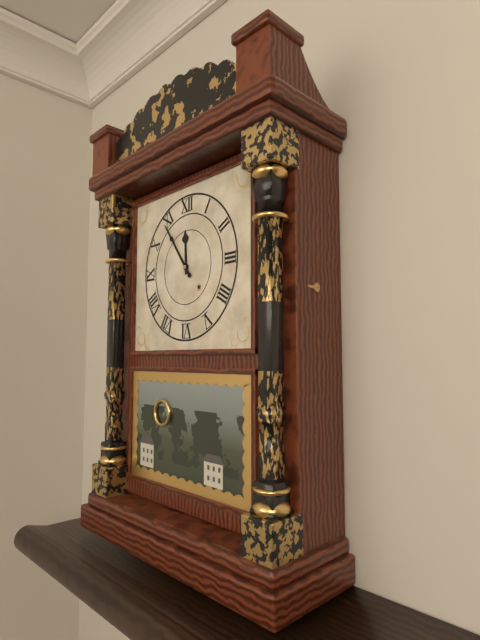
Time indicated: 11:54
